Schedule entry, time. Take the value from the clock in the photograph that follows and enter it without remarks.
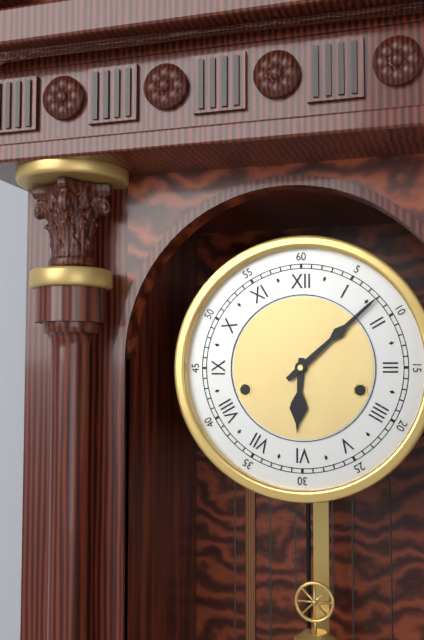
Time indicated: 6:08
